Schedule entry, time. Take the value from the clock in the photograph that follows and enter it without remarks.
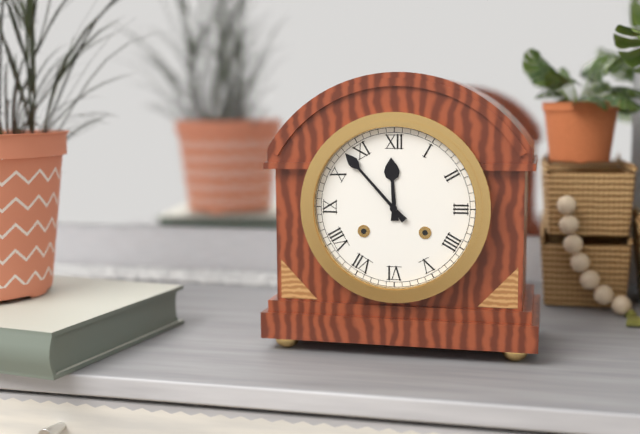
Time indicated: 11:53
